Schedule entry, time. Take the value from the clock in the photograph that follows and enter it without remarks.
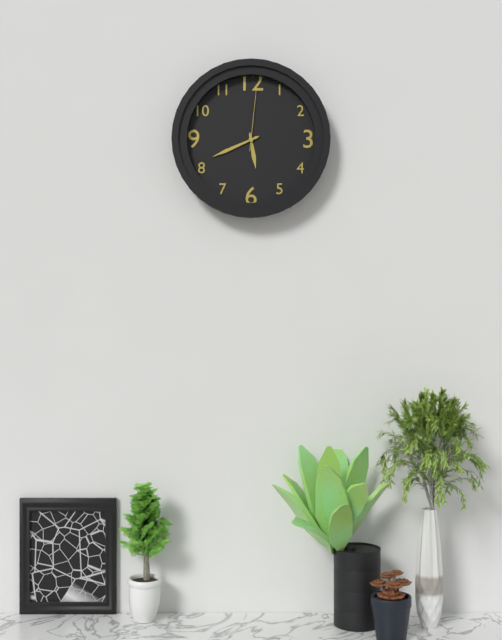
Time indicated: 5:41:01
